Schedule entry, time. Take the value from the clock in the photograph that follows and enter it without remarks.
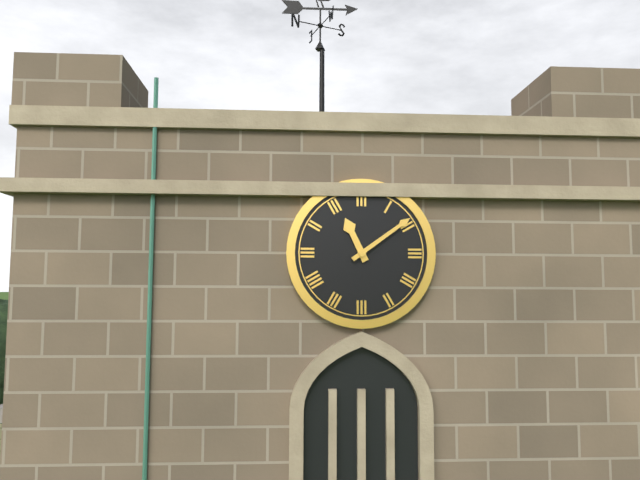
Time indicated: 11:09
